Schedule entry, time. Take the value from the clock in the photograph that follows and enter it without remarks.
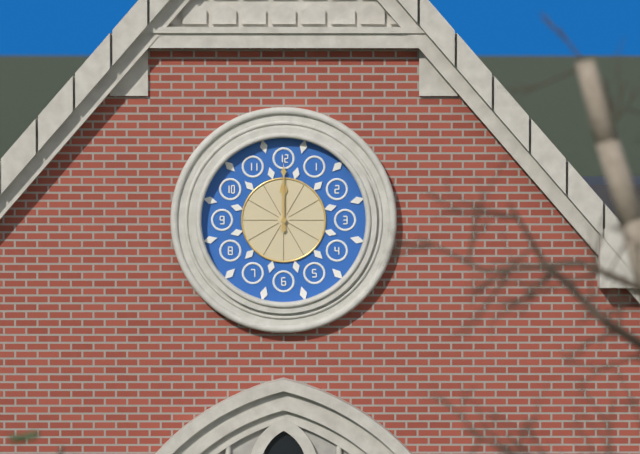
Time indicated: 12:00
